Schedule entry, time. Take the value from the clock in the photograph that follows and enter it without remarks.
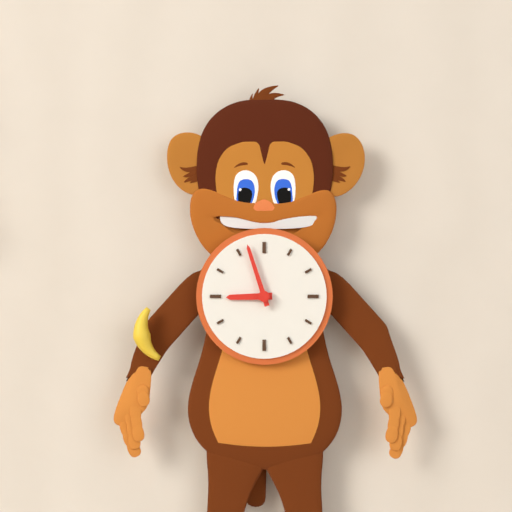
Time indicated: 8:57
